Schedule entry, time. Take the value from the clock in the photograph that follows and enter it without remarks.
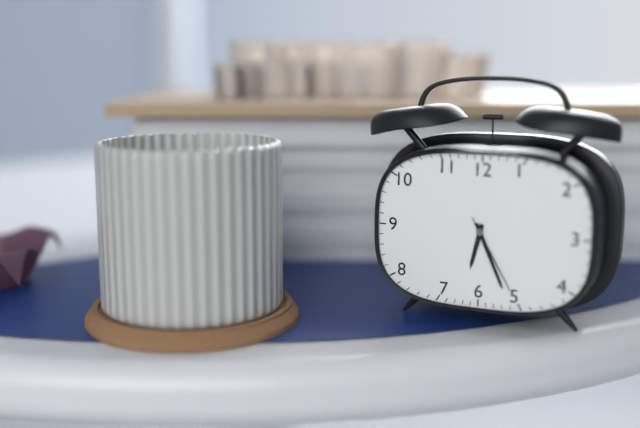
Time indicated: 6:26:25
